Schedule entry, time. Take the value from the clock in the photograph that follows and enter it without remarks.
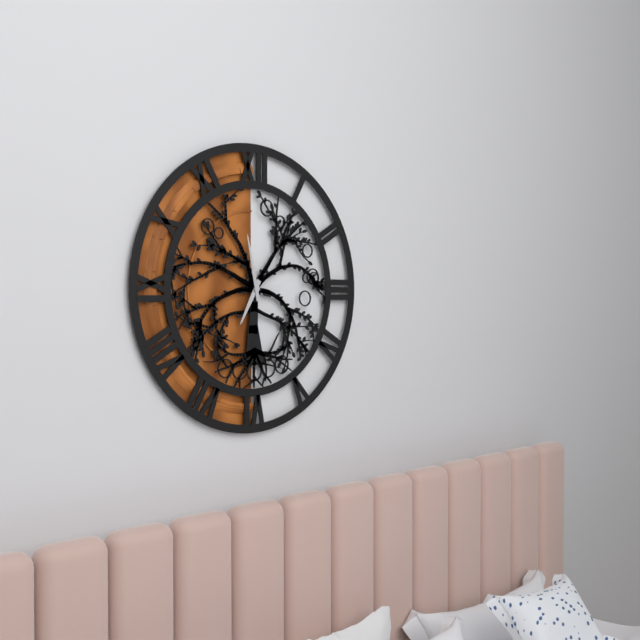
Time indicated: 6:58
